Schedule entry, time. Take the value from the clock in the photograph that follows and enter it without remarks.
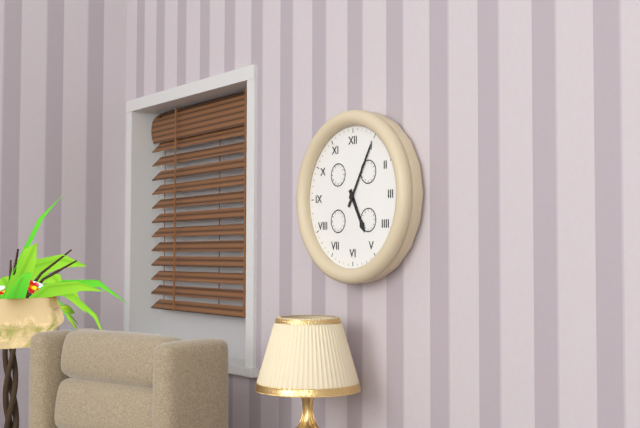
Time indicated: 5:05
